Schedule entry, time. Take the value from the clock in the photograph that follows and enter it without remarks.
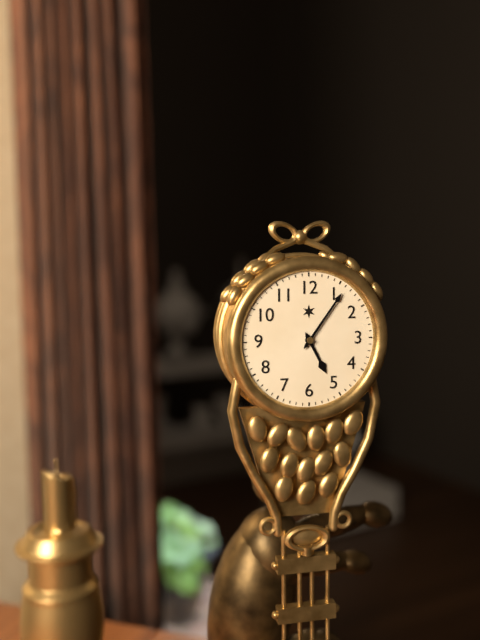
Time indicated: 5:06
